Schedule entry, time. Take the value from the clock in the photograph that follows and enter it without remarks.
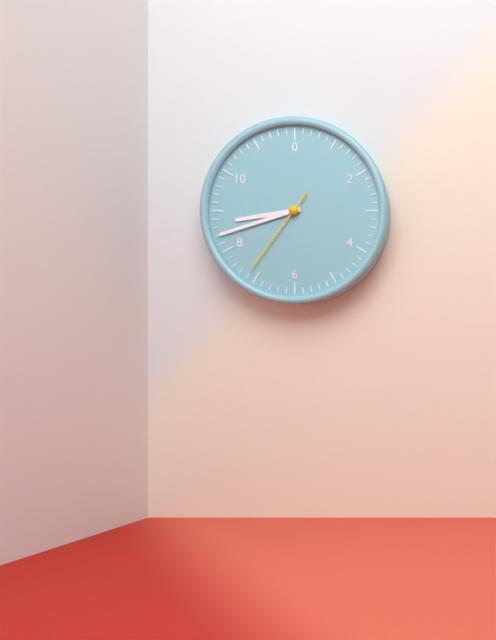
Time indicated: 8:42:36
